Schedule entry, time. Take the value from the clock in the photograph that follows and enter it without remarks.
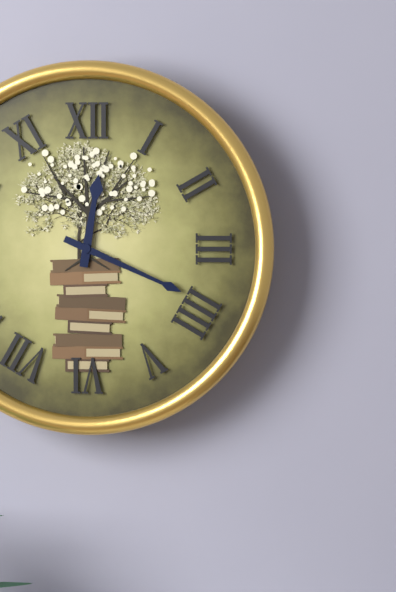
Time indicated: 12:19
